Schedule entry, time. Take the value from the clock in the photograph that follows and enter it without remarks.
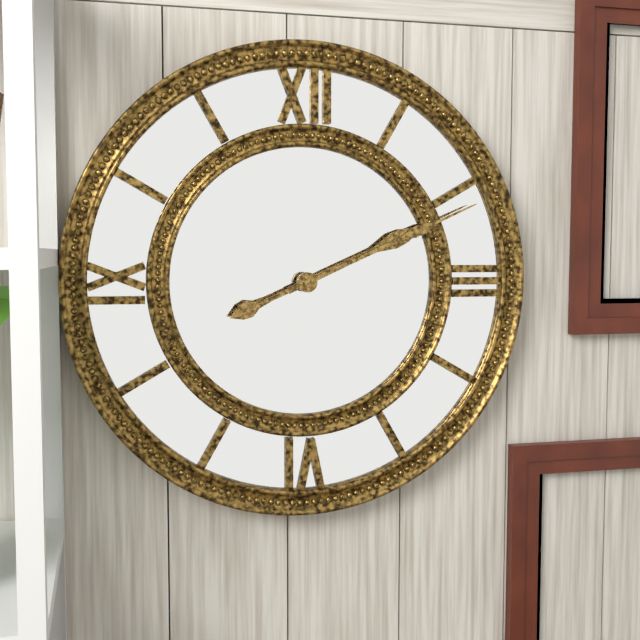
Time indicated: 2:11
